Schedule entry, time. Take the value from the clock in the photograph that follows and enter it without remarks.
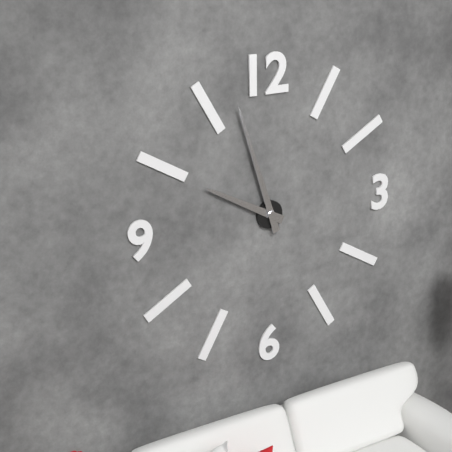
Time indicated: 9:57
